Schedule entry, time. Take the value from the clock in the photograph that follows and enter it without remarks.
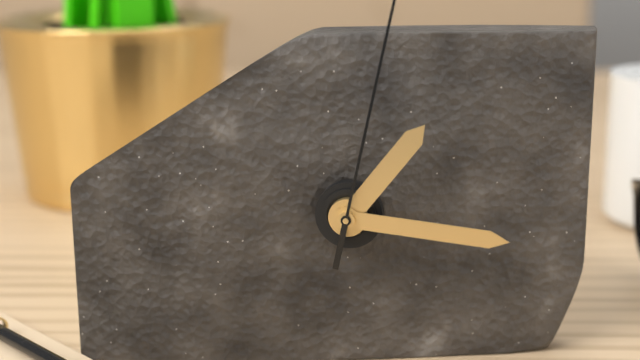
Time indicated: 1:16
